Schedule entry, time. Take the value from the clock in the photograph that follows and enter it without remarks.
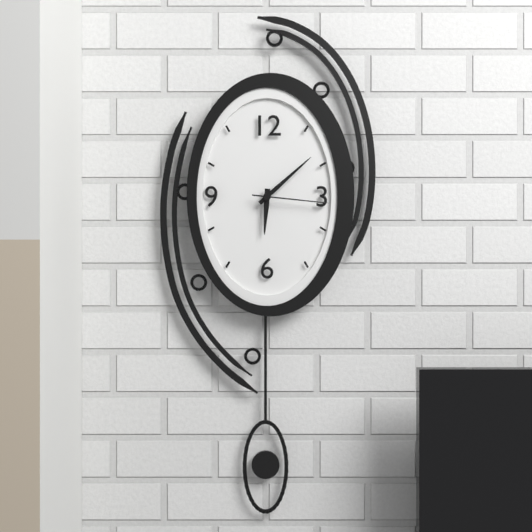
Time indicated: 6:08:16
